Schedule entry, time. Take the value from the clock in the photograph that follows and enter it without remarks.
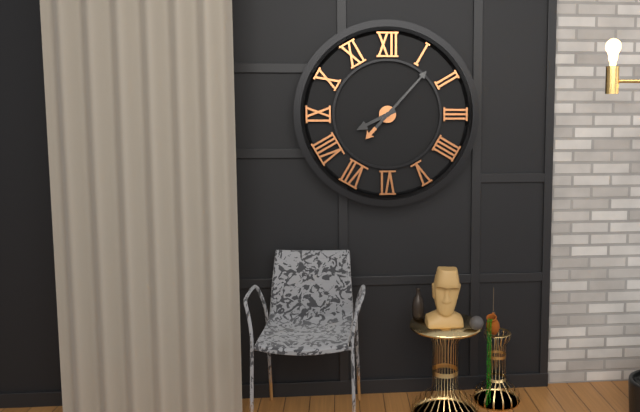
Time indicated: 8:07
